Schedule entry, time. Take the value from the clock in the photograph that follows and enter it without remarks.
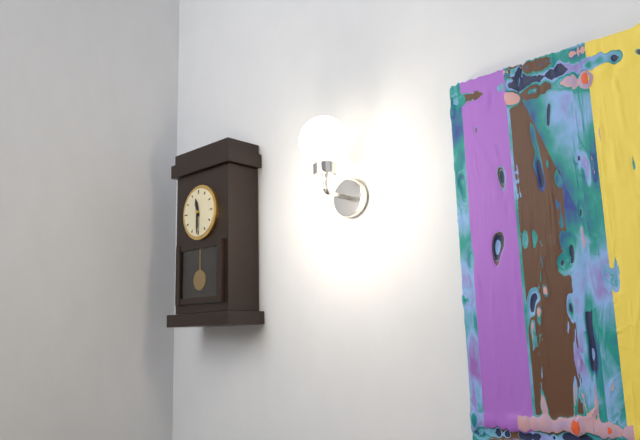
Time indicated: 11:30
